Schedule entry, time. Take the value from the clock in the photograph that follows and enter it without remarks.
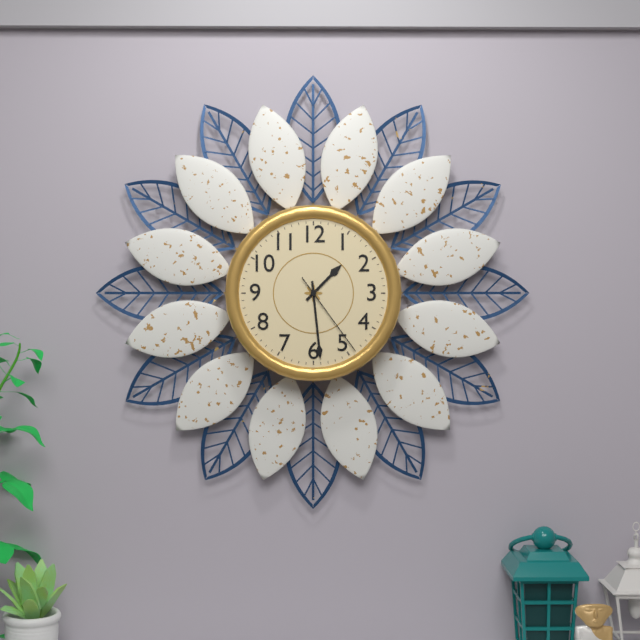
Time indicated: 1:29:24
